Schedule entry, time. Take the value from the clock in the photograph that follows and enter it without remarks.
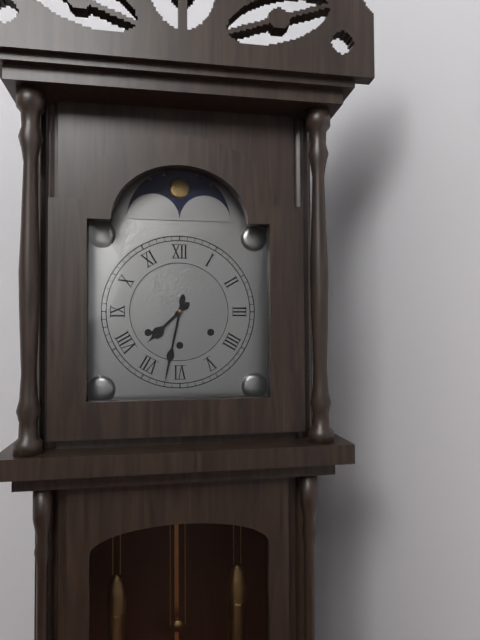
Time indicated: 7:32
